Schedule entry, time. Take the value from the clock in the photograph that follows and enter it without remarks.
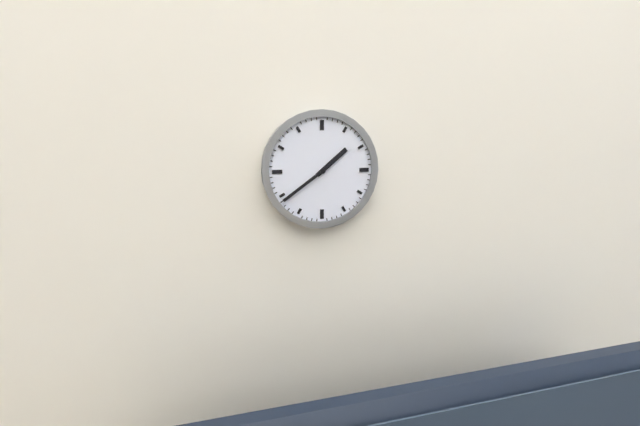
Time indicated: 1:39
